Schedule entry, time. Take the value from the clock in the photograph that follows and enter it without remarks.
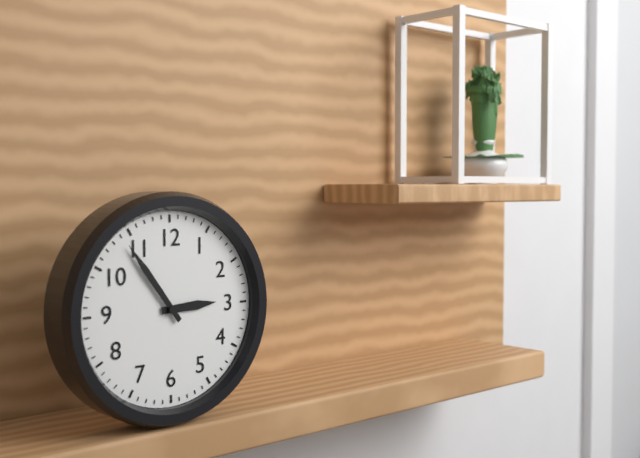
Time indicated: 2:54
